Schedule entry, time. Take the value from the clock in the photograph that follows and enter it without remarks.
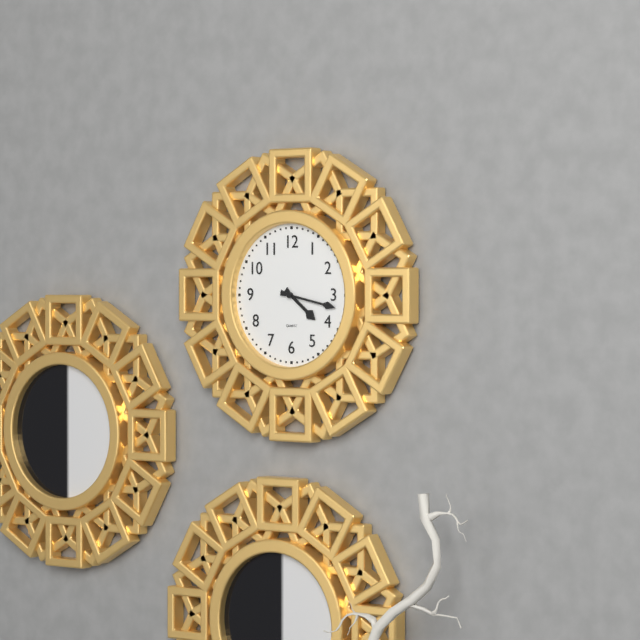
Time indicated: 4:17
